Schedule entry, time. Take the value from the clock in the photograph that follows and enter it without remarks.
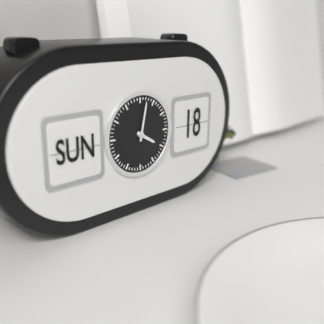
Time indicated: 4:02
